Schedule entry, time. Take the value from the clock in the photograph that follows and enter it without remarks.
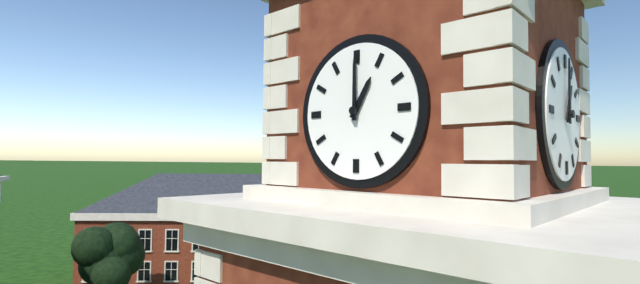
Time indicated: 1:00
